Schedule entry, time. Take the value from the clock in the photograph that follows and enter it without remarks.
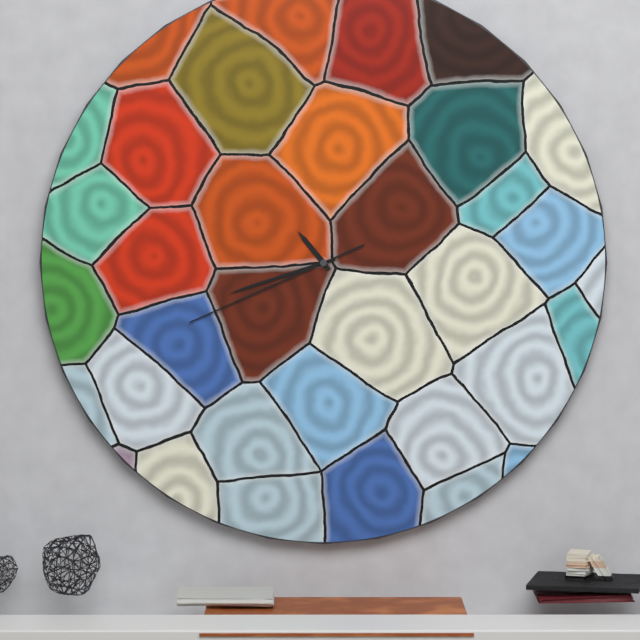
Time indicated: 10:42:41
